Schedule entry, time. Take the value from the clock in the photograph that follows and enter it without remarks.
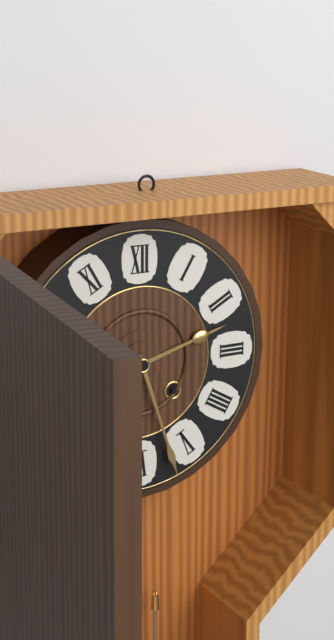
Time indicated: 2:27
